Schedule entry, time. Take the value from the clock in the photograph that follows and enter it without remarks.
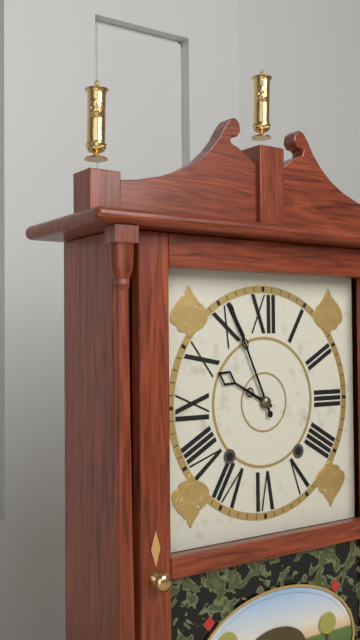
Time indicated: 9:56
